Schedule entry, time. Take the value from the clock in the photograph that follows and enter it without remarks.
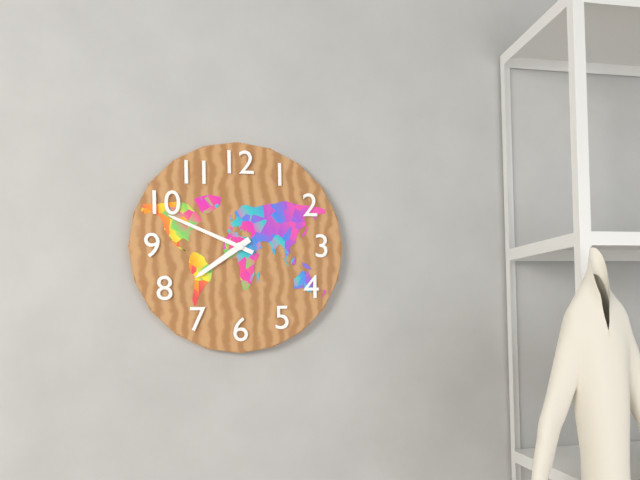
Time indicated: 7:49
